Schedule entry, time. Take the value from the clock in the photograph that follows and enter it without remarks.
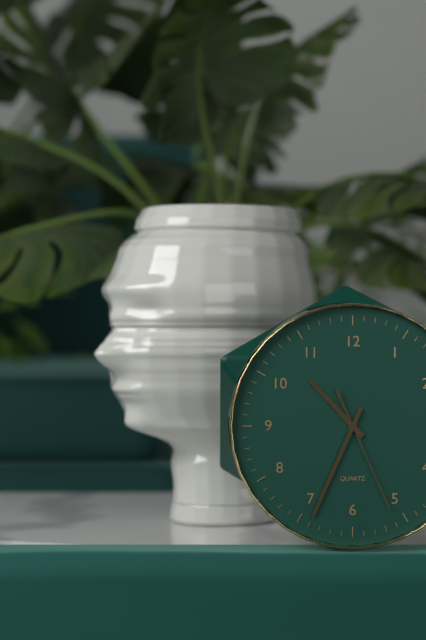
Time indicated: 10:34:26
